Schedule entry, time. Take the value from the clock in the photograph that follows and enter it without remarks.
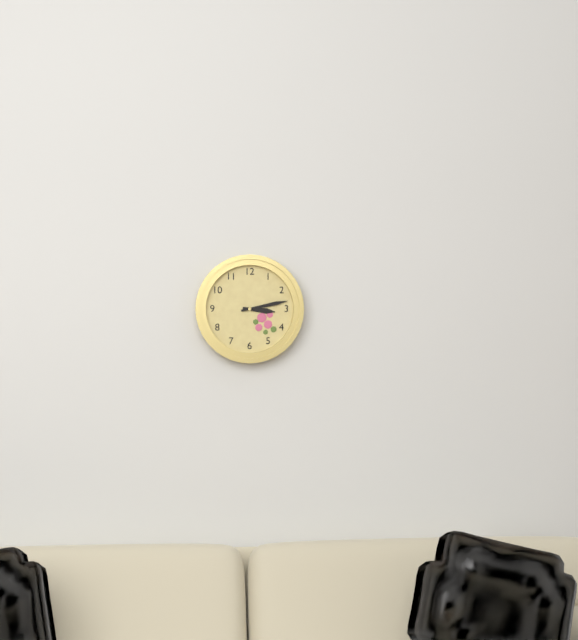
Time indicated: 3:13
